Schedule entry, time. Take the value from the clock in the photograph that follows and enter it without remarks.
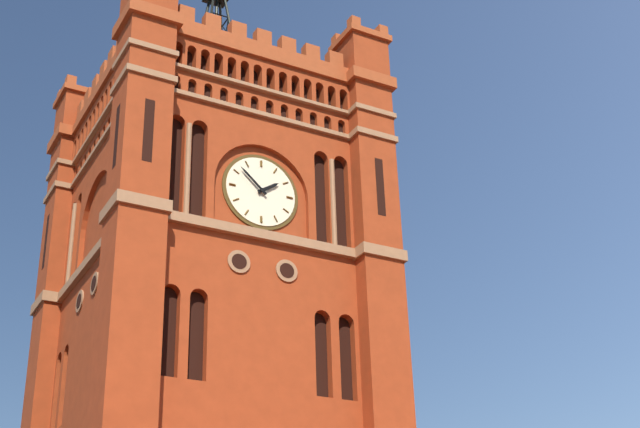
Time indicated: 1:52
